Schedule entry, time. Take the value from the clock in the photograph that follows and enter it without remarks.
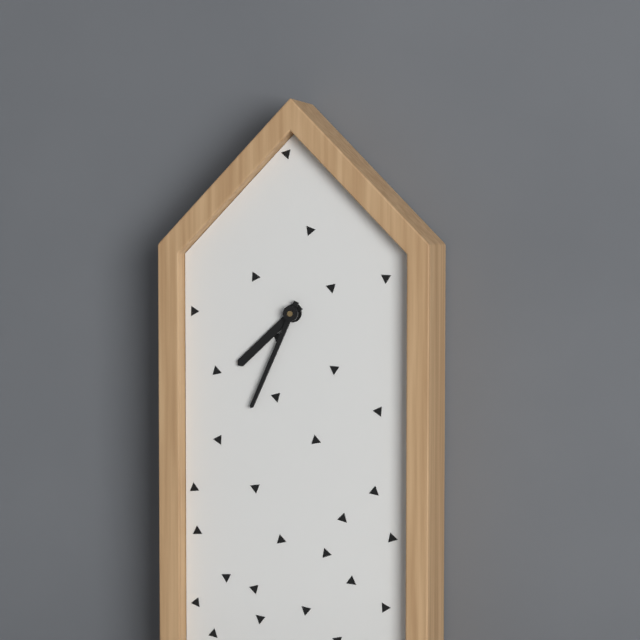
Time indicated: 7:34
